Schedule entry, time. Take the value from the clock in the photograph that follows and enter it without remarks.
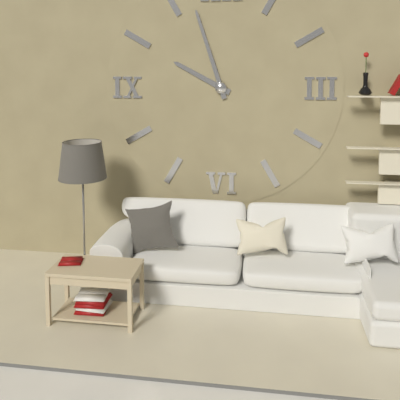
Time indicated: 9:57
